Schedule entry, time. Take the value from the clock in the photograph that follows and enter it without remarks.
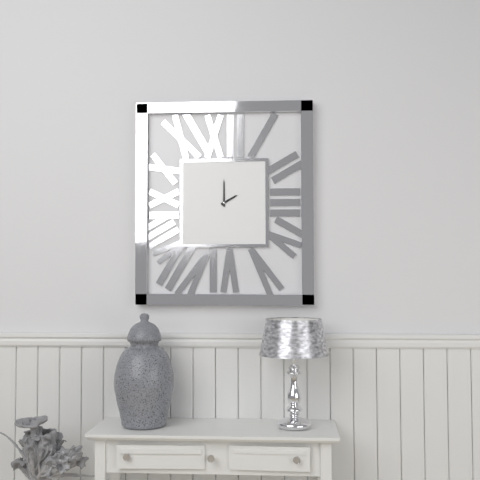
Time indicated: 2:00
